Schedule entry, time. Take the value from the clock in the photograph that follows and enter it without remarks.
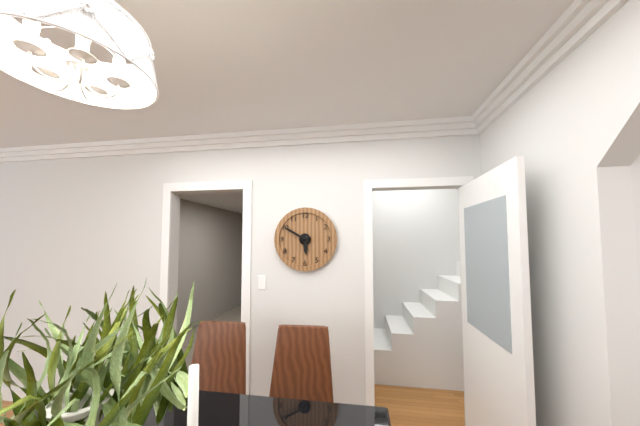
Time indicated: 5:50
